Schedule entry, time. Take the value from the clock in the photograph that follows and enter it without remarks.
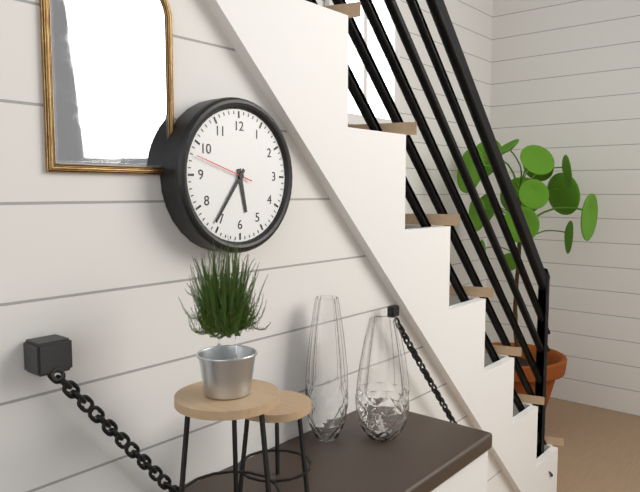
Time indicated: 5:36
